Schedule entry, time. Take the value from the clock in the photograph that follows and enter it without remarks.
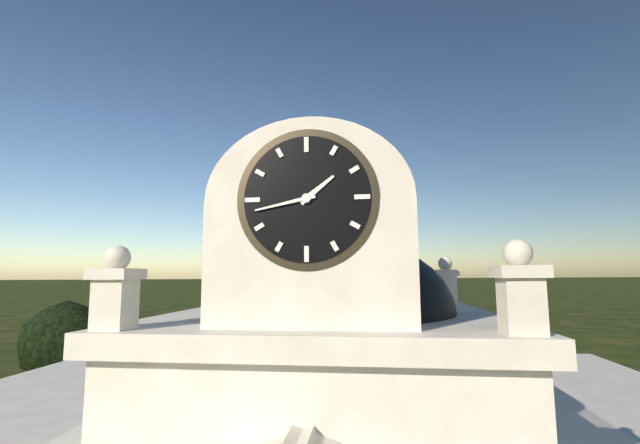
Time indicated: 1:43
